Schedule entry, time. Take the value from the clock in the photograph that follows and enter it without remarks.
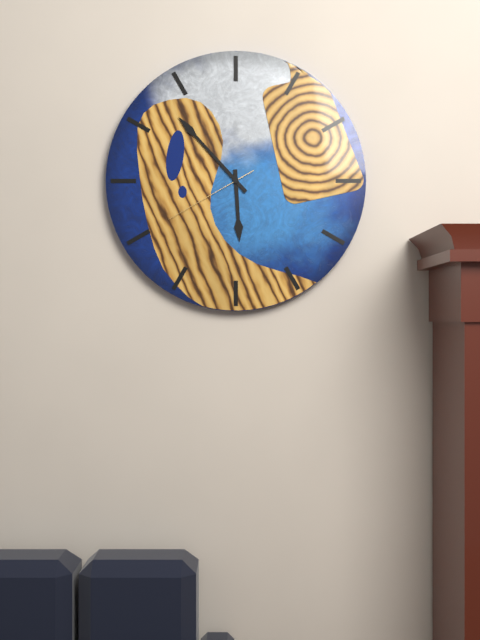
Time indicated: 5:53:40
